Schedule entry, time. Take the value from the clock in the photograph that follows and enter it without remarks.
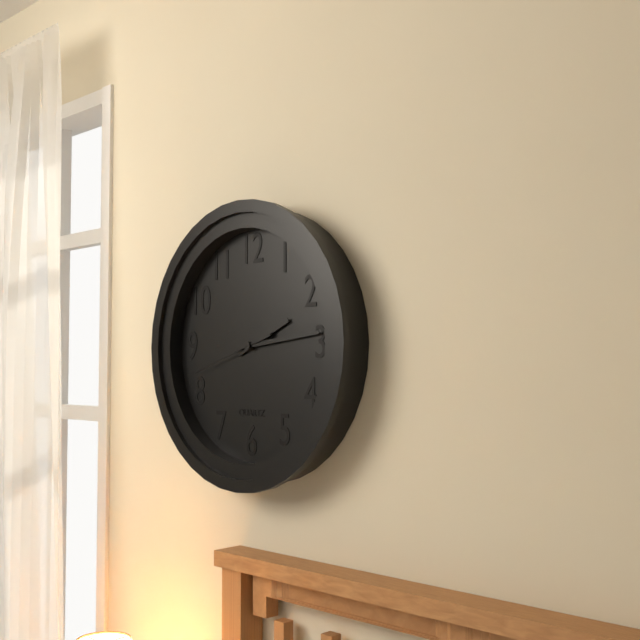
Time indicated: 2:14:42
